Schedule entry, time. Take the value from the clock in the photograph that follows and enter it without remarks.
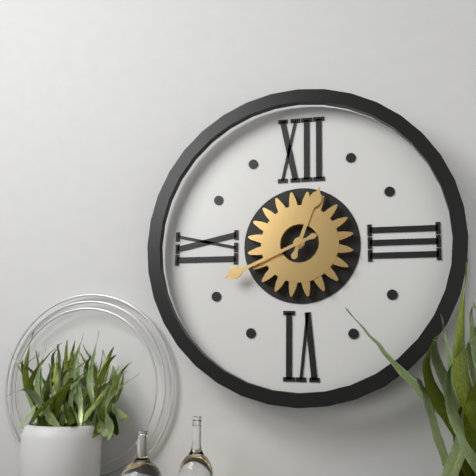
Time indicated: 12:41
